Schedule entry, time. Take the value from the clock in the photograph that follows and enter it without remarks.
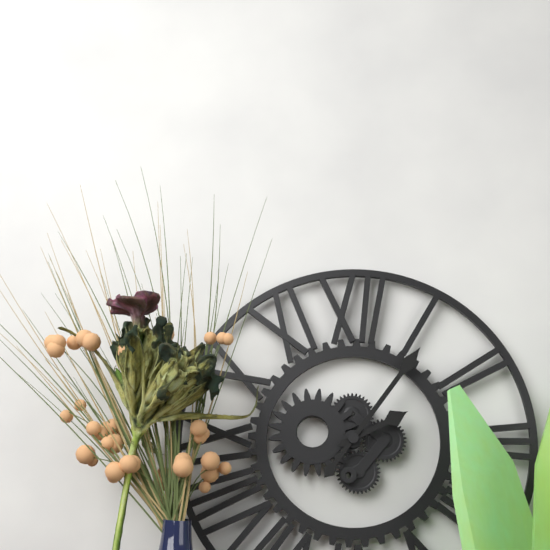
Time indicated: 2:06
